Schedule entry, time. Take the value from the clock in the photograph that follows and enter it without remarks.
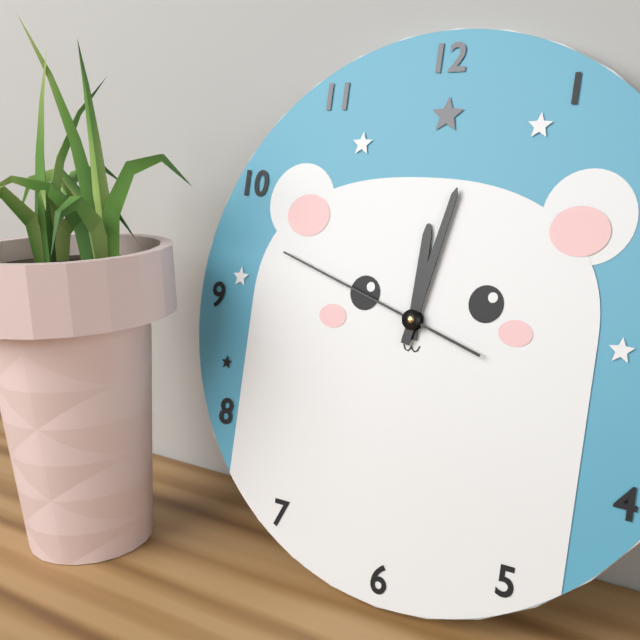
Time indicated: 12:02:48
